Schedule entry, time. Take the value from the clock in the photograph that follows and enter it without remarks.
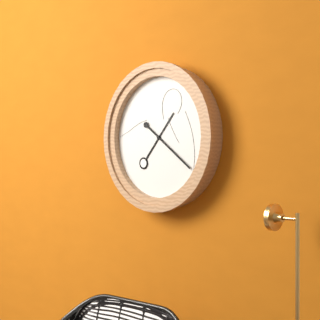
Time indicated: 1:21
